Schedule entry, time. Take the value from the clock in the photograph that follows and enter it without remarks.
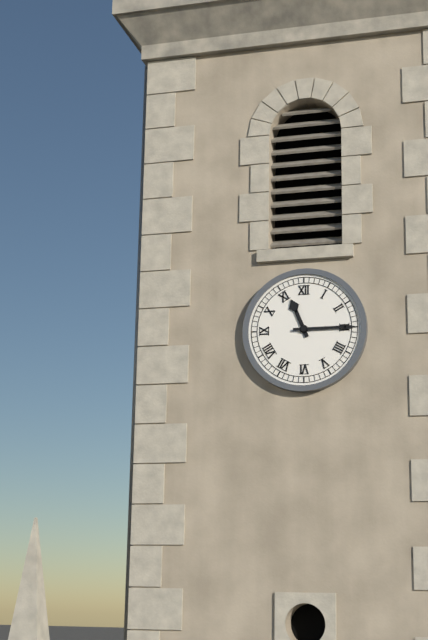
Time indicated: 11:15
